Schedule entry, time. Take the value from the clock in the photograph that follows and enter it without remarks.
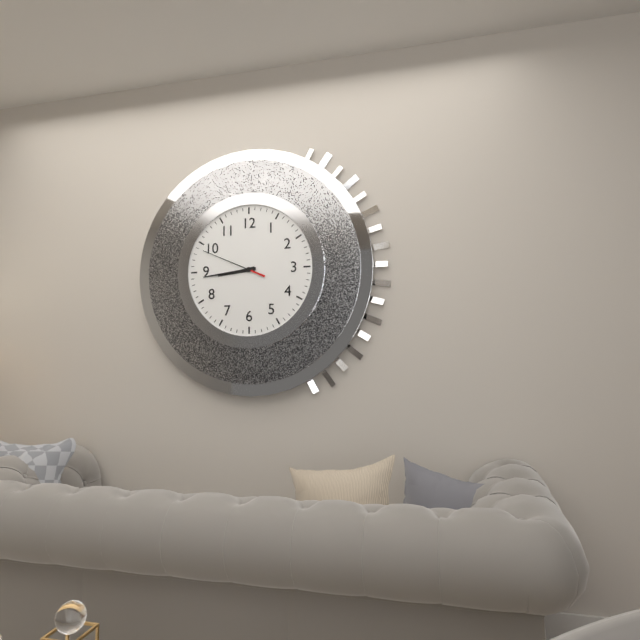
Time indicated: 8:44:49
